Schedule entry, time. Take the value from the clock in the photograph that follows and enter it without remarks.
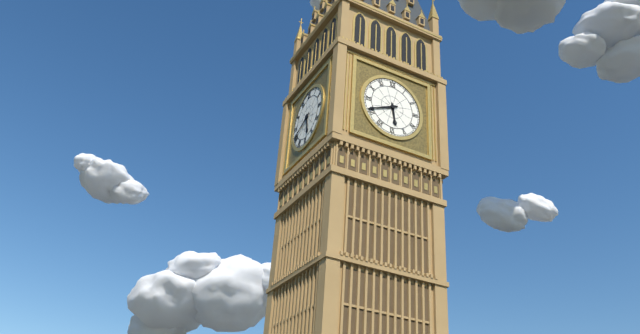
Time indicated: 5:41
